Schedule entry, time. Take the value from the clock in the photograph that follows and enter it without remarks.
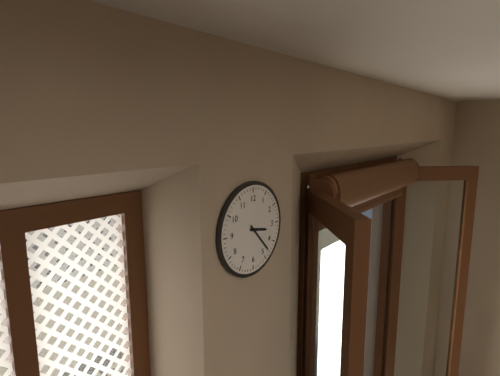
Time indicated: 3:23
